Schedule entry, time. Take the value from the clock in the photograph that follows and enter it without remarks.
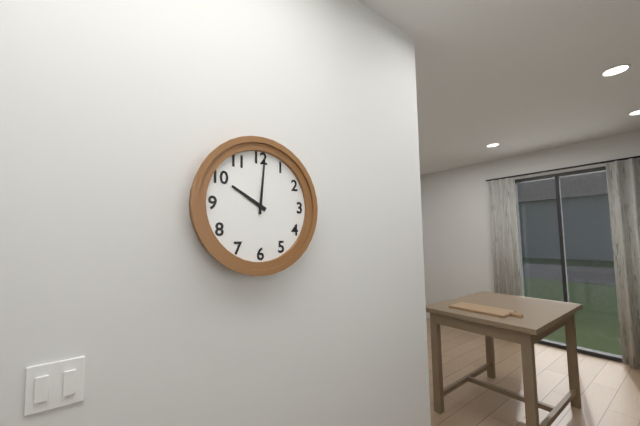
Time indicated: 10:01
